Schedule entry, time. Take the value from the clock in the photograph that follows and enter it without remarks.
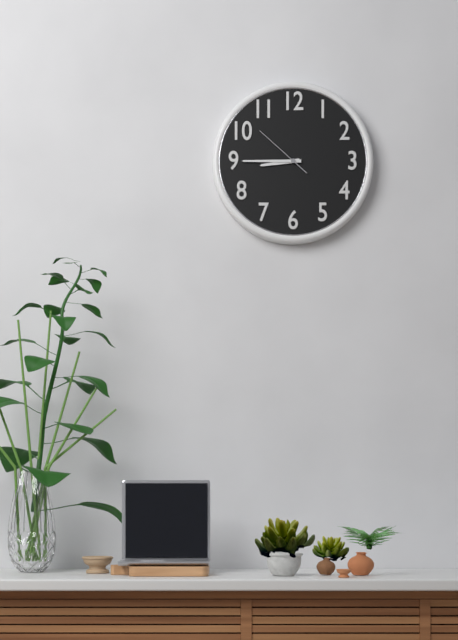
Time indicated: 8:45:52
